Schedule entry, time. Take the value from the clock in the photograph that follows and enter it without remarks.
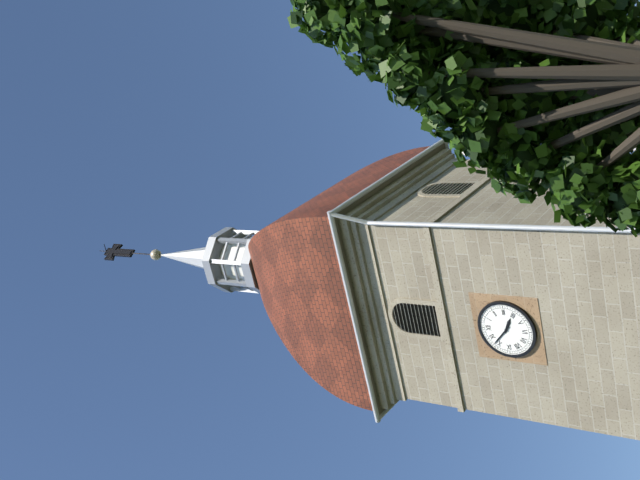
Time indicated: 3:52
